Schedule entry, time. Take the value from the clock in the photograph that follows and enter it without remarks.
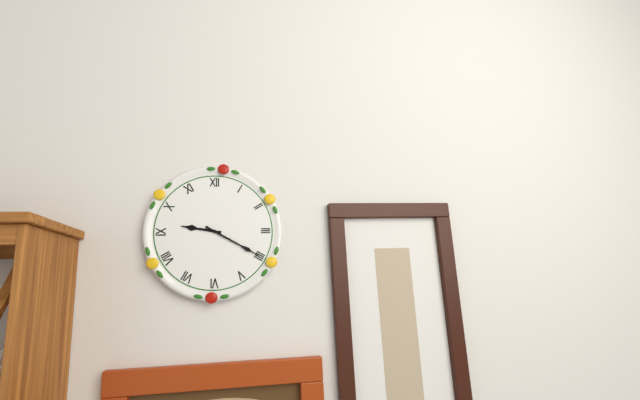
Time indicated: 9:20
